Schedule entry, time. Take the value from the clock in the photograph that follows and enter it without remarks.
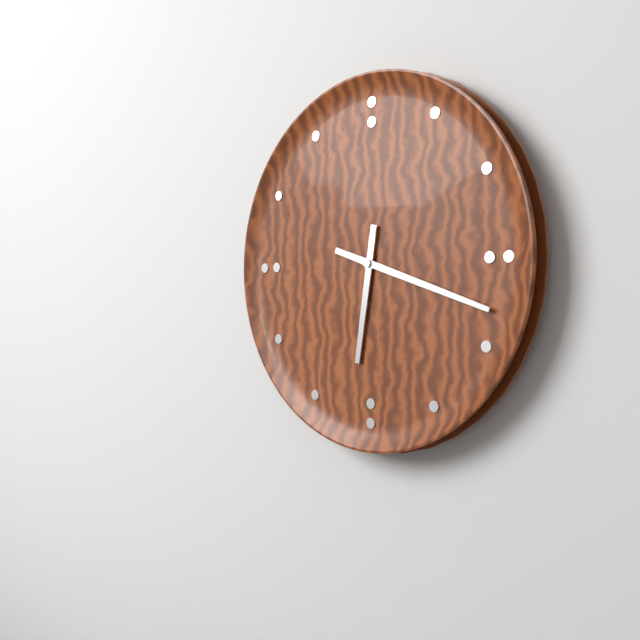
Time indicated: 6:18
